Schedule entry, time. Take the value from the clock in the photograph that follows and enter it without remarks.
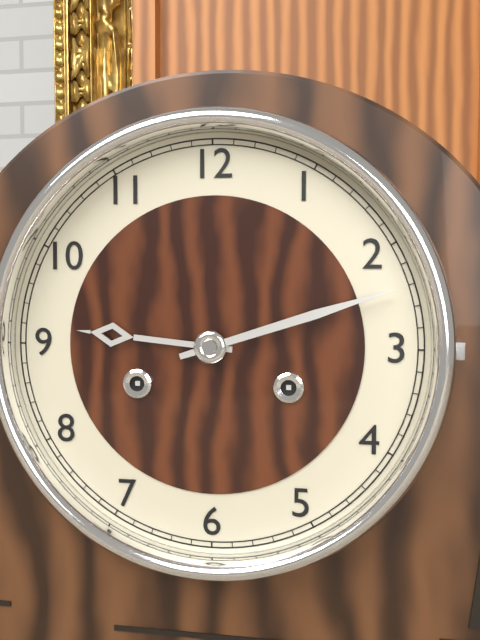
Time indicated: 9:12
